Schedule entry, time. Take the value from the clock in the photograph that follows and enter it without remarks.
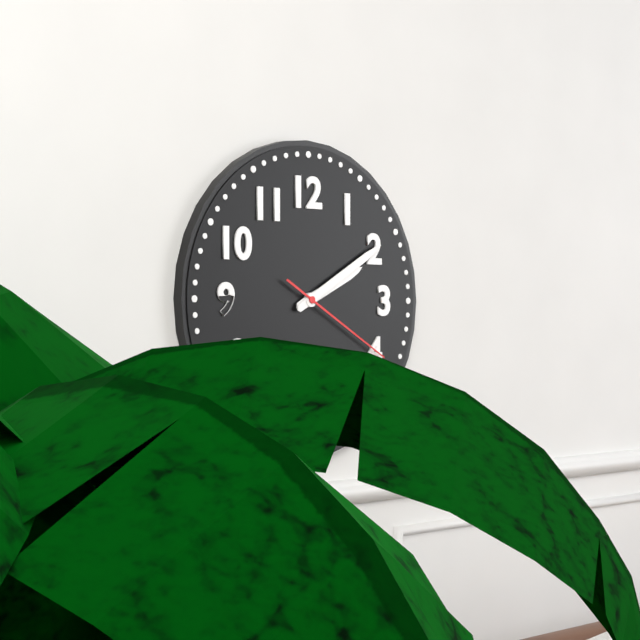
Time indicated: 2:10:20
